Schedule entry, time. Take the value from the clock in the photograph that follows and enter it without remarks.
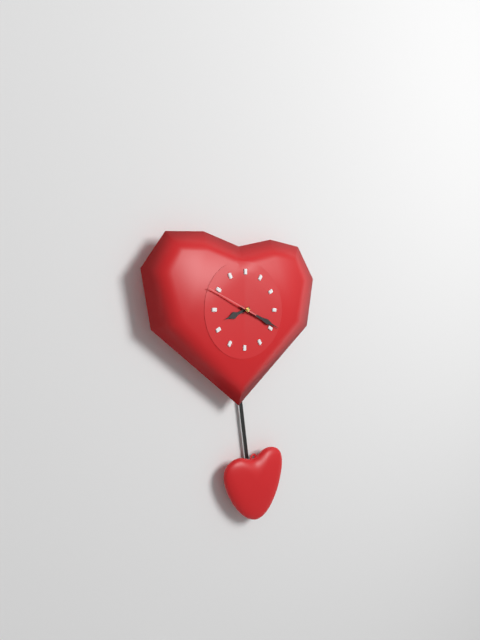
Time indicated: 8:19:49
